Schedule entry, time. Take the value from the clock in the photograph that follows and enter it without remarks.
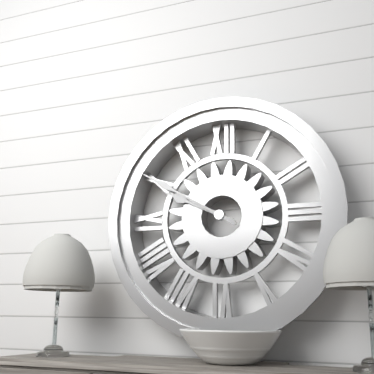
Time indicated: 9:50
